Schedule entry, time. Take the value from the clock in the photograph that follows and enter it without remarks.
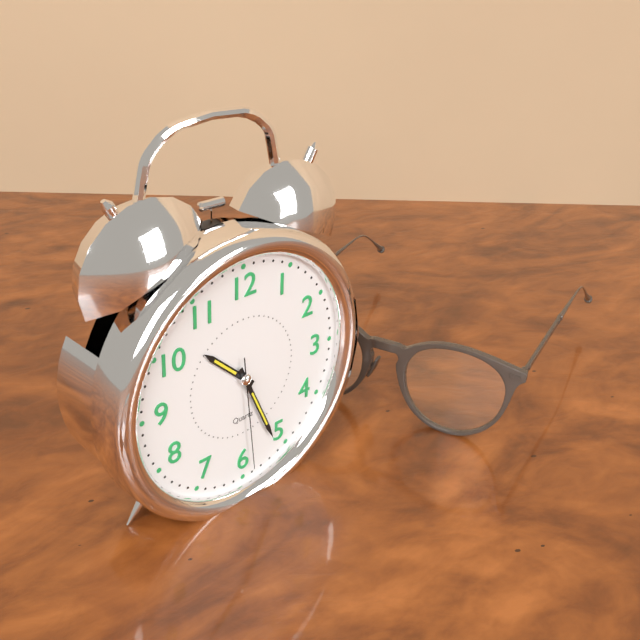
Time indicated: 10:26:29
